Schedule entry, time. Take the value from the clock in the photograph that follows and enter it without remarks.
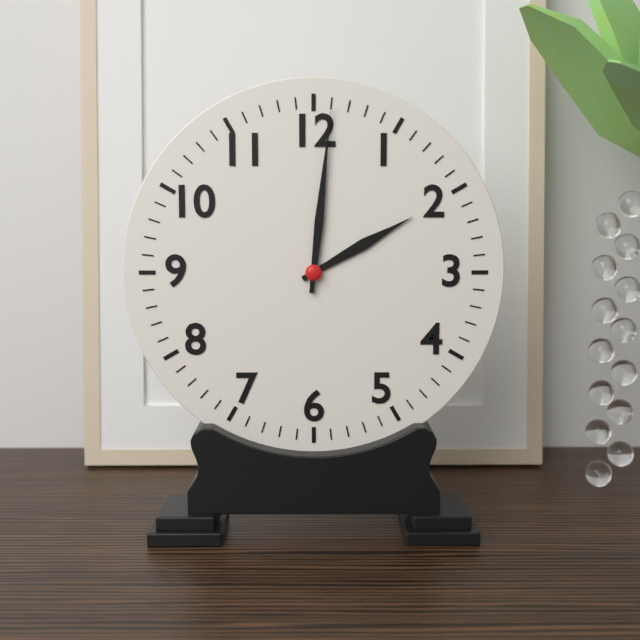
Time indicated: 2:01
